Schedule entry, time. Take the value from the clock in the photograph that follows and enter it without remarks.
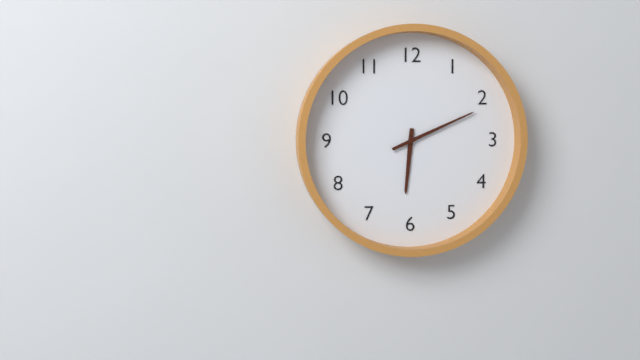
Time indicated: 6:11
